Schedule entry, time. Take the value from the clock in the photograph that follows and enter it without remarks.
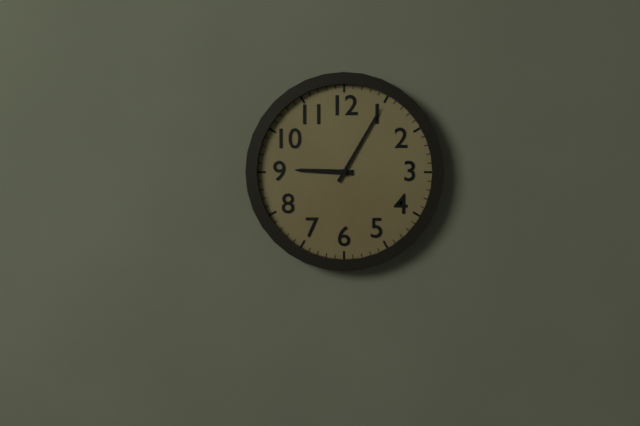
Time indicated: 9:05
